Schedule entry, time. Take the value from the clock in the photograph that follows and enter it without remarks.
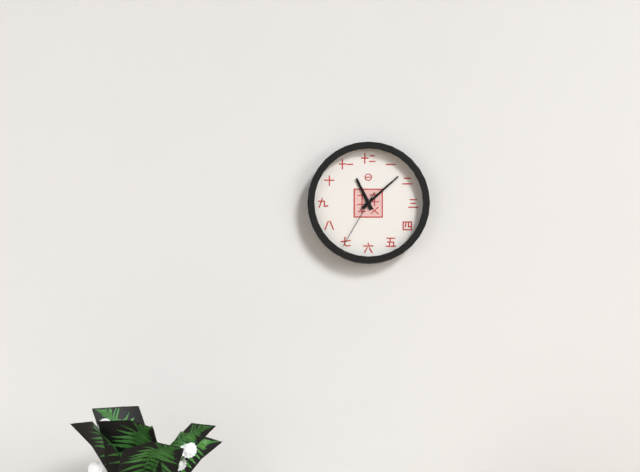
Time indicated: 11:08:35
